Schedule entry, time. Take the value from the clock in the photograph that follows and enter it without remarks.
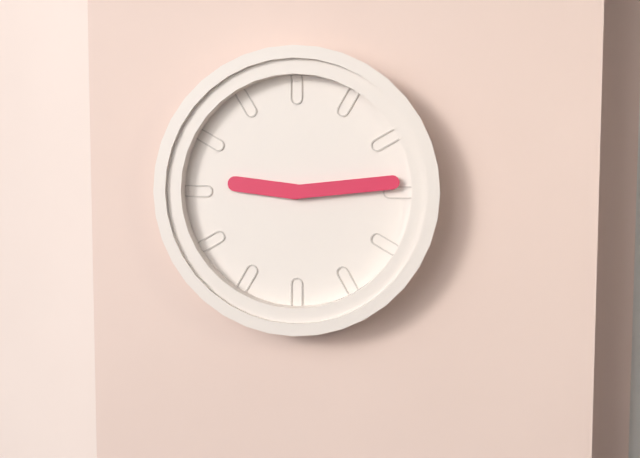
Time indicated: 9:14
